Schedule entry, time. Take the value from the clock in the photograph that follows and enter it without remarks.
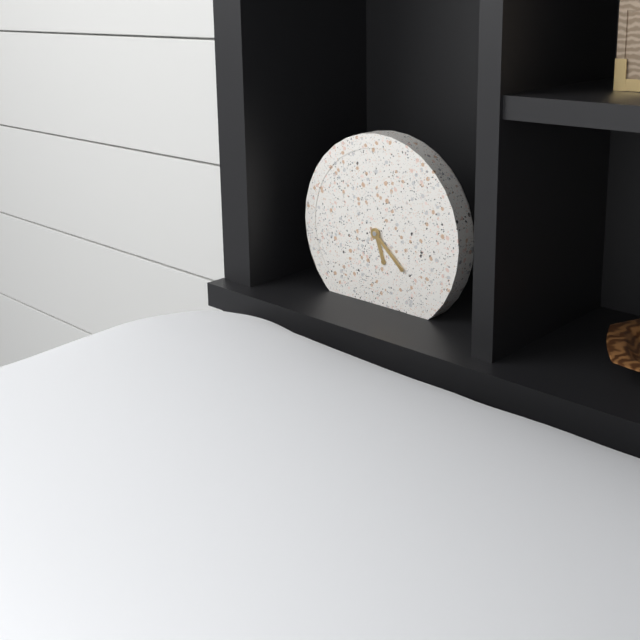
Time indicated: 5:22
